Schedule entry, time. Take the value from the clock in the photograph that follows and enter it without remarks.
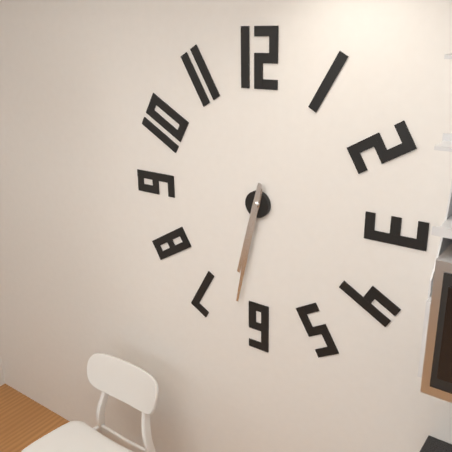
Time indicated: 6:32
